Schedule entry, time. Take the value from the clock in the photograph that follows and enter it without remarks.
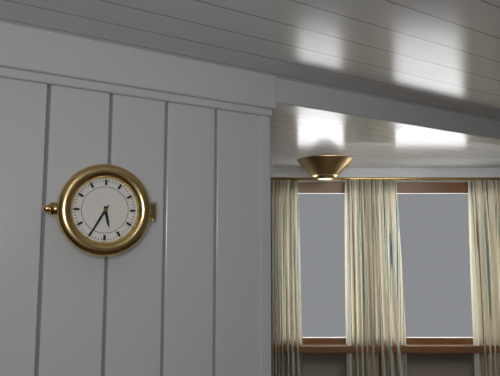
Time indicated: 5:35
